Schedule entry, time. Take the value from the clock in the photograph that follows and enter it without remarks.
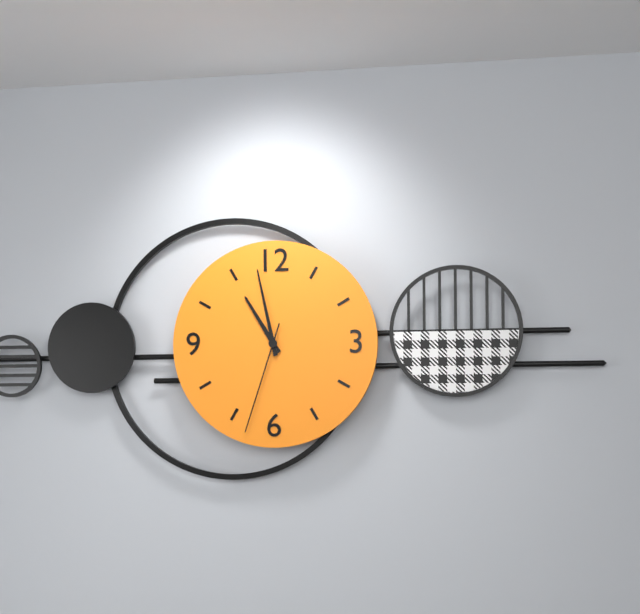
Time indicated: 10:58:33
